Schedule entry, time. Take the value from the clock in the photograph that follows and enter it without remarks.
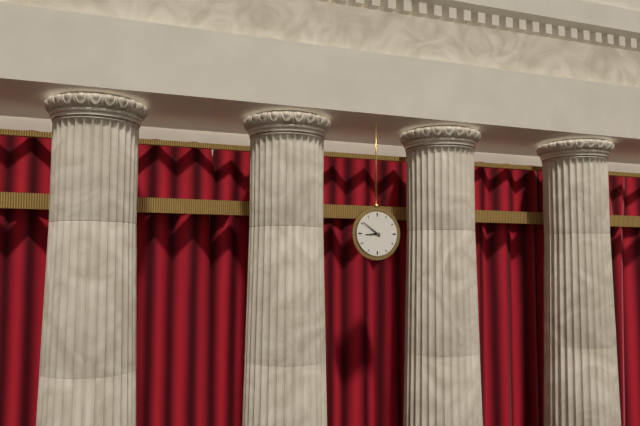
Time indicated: 8:51
